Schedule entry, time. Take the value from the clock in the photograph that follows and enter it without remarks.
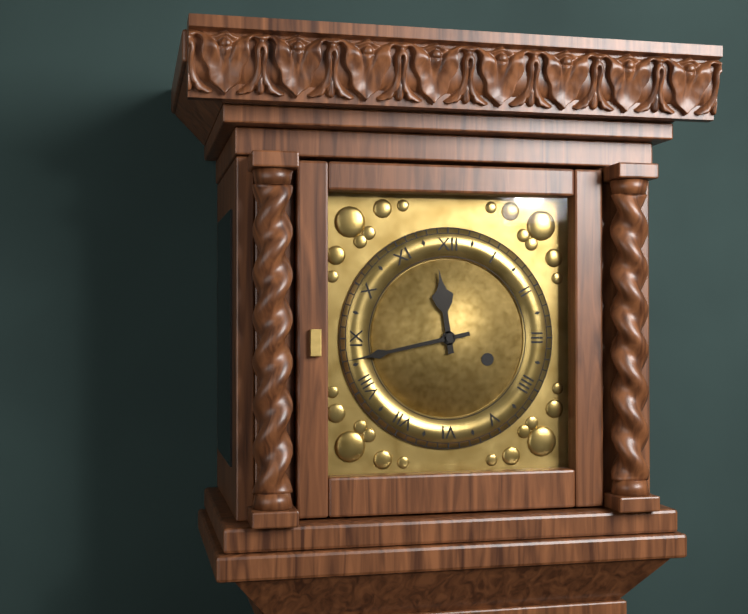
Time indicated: 11:43
